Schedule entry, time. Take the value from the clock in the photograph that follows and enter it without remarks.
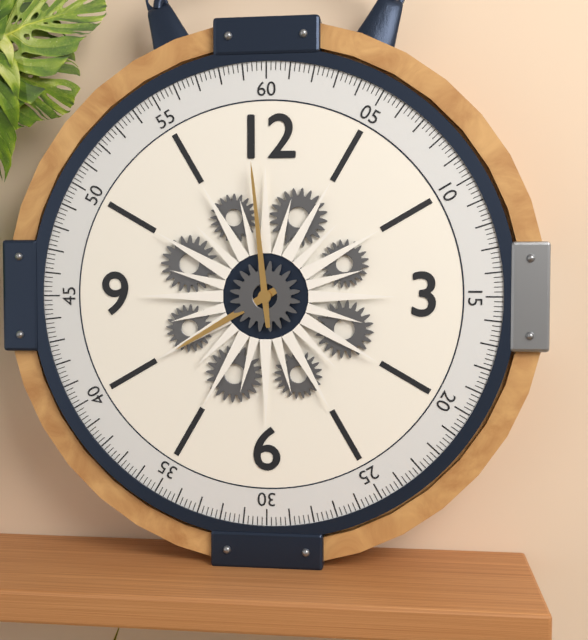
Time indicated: 7:59
